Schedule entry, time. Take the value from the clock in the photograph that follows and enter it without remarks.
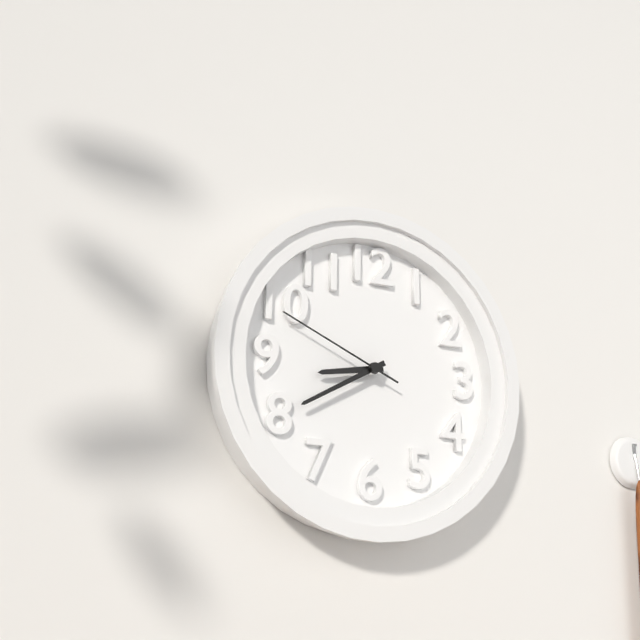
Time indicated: 8:40:49
